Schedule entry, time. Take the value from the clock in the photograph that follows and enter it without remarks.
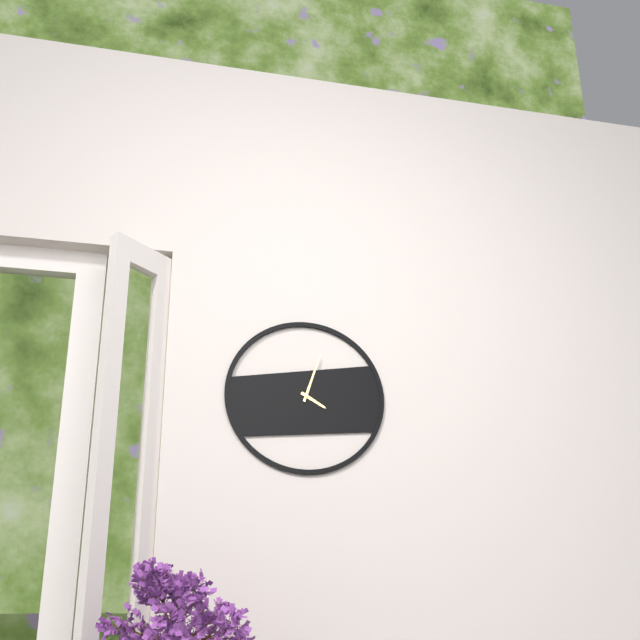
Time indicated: 4:03
